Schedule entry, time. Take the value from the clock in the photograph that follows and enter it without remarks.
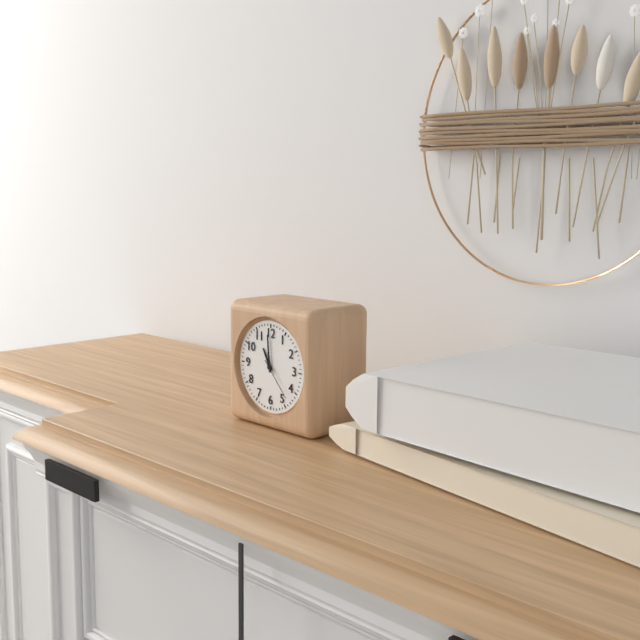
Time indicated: 10:59
